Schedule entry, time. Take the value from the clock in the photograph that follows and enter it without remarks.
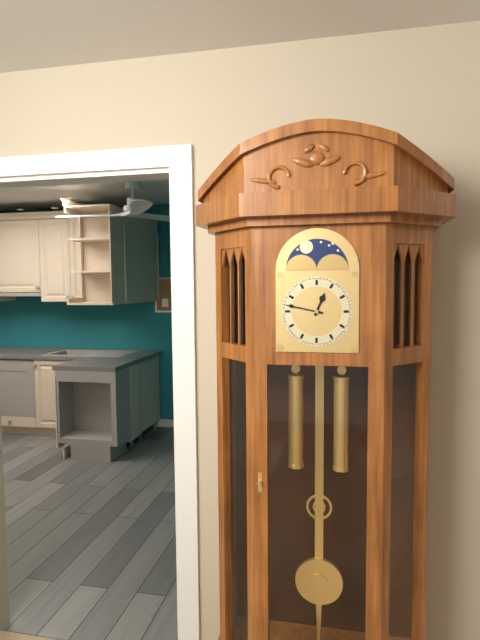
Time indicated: 12:47
